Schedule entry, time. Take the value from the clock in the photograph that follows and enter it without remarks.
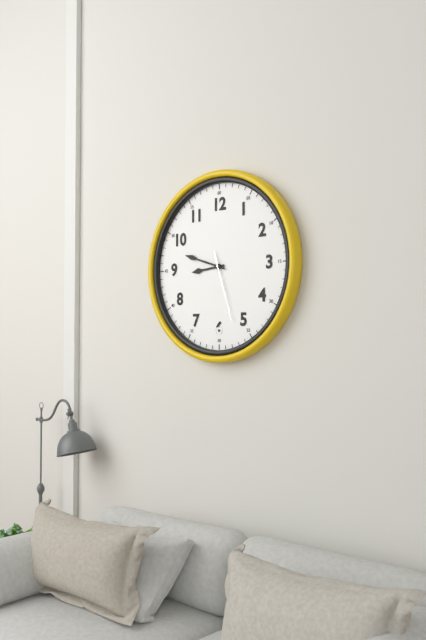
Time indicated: 8:48:27
